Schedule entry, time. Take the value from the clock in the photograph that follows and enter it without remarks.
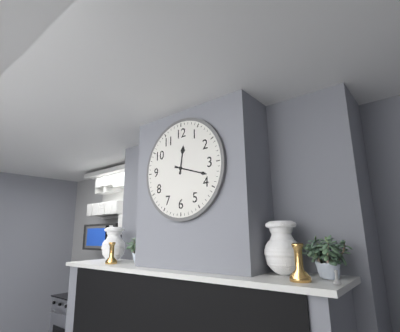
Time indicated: 12:18
